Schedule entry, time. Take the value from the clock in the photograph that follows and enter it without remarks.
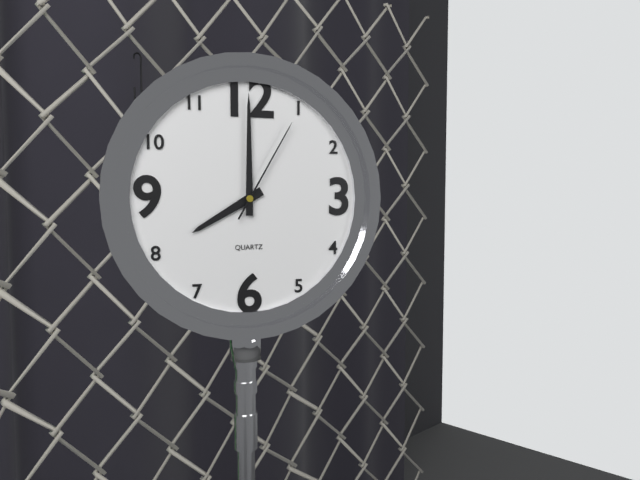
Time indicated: 8:00:05
